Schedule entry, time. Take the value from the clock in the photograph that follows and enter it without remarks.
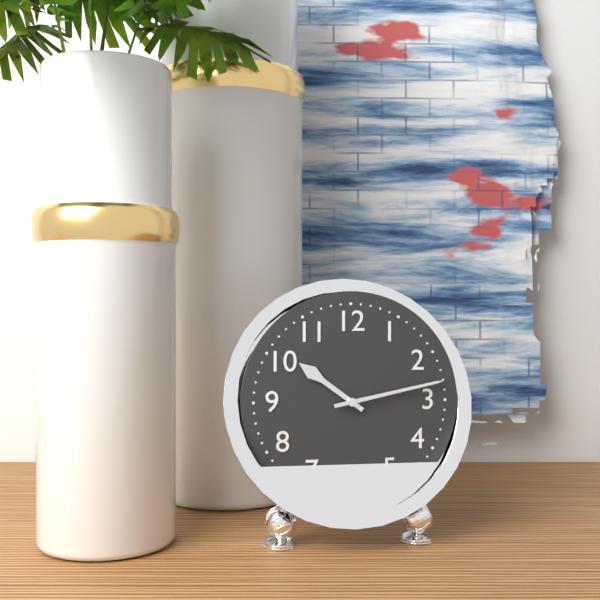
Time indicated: 10:13
